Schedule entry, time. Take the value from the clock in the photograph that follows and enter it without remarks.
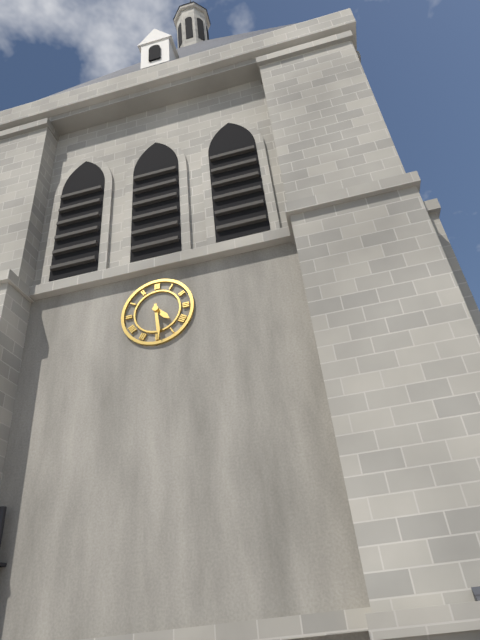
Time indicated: 4:29
